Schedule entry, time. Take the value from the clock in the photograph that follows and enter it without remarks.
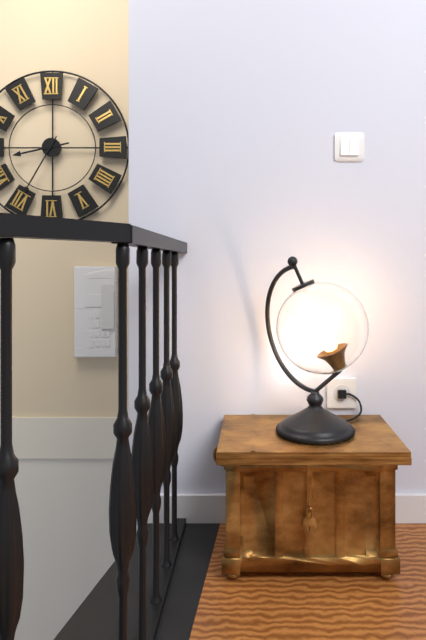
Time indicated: 8:35
